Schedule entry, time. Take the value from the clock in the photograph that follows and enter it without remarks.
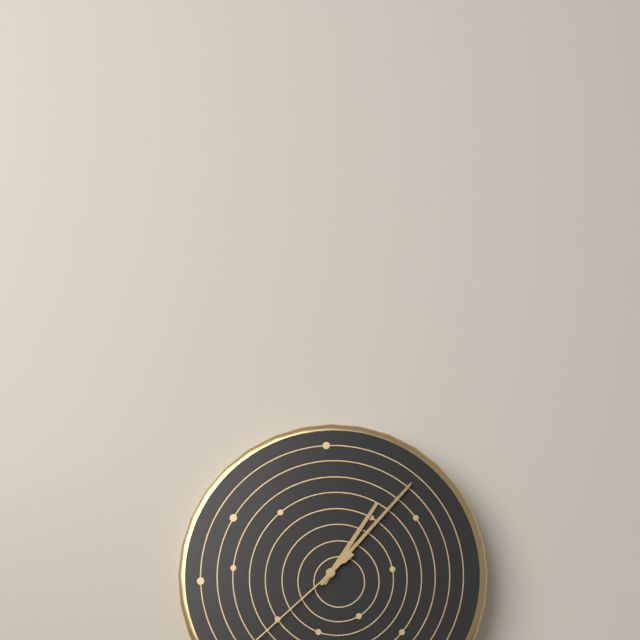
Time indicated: 1:07
